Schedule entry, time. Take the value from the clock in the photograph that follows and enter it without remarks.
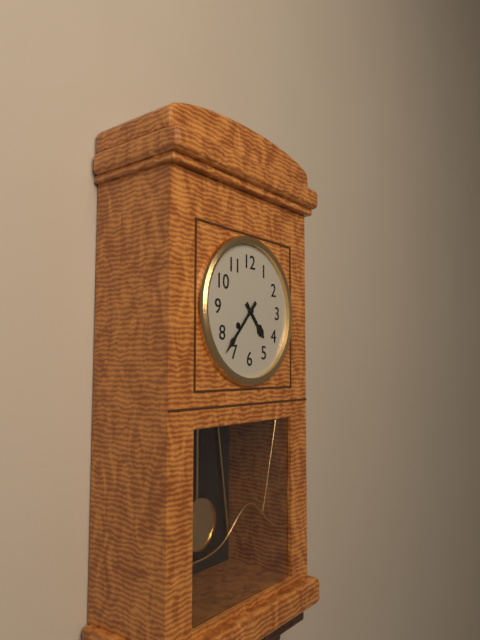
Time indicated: 4:37
